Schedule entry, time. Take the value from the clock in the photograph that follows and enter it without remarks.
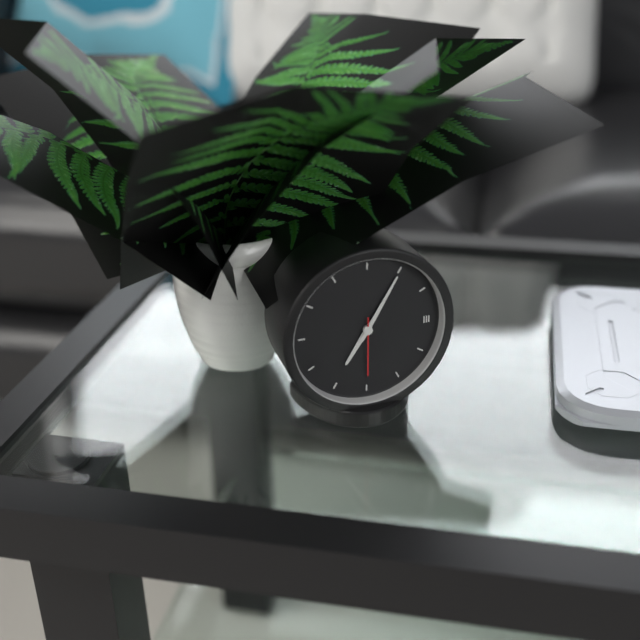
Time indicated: 7:05:30
